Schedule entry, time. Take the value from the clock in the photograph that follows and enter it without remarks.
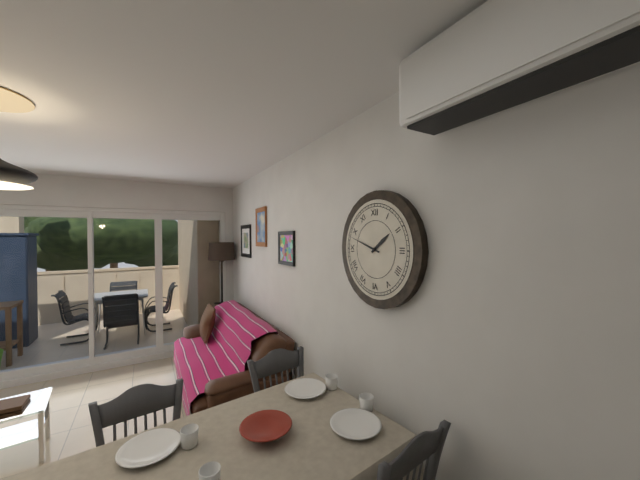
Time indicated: 1:48
